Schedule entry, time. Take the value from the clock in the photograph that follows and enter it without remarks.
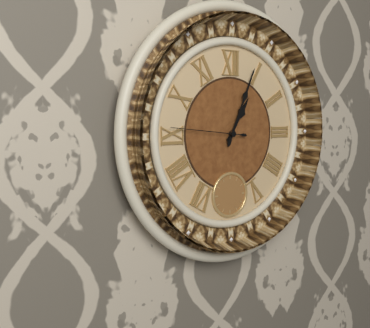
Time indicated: 1:04:46
